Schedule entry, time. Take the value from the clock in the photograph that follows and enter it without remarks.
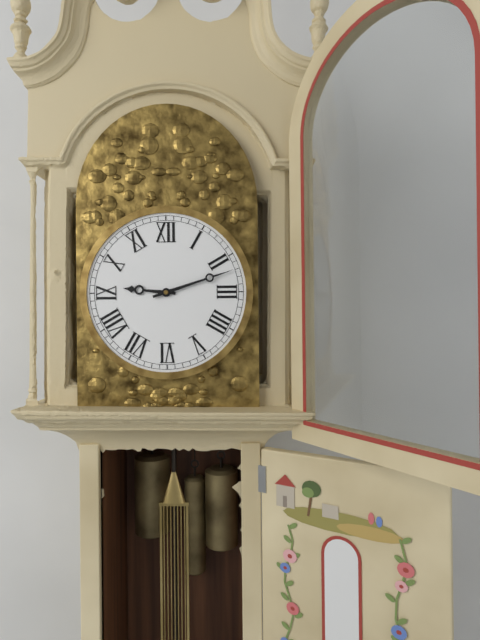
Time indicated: 9:12
